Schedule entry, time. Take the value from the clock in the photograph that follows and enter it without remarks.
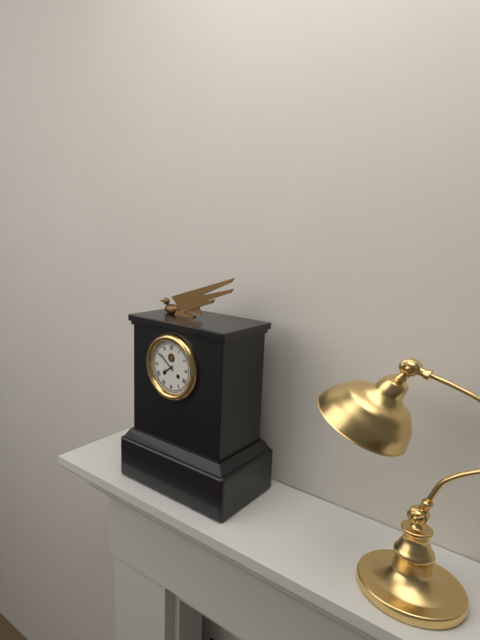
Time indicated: 7:51
